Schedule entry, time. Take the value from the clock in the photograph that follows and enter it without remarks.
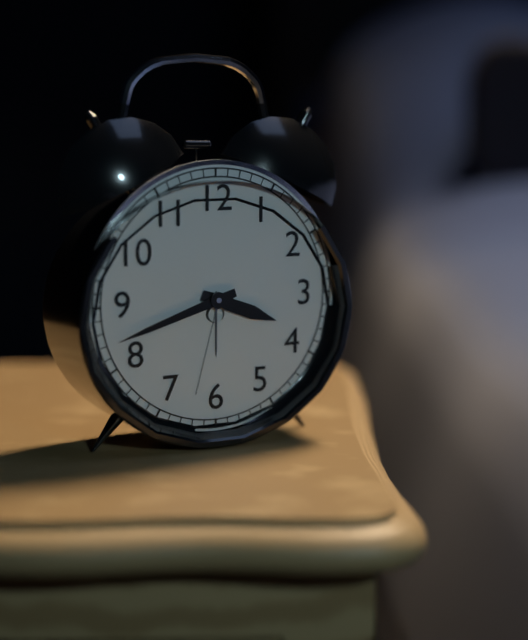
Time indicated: 3:42
